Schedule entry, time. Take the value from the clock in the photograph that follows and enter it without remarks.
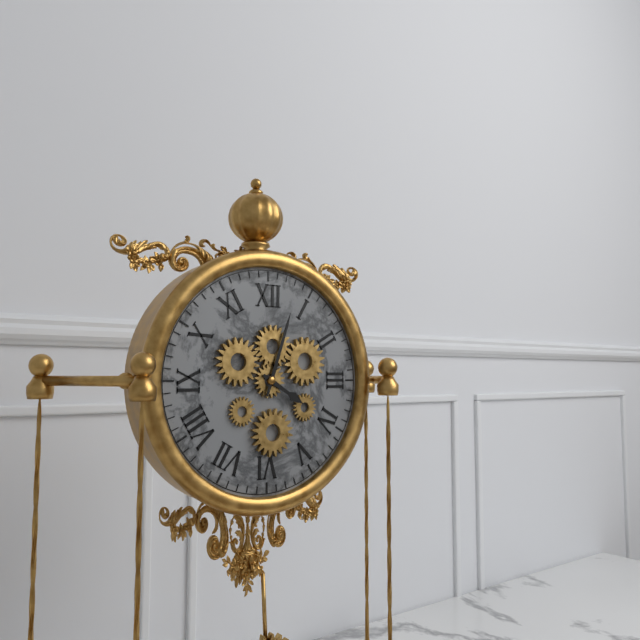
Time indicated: 4:03
